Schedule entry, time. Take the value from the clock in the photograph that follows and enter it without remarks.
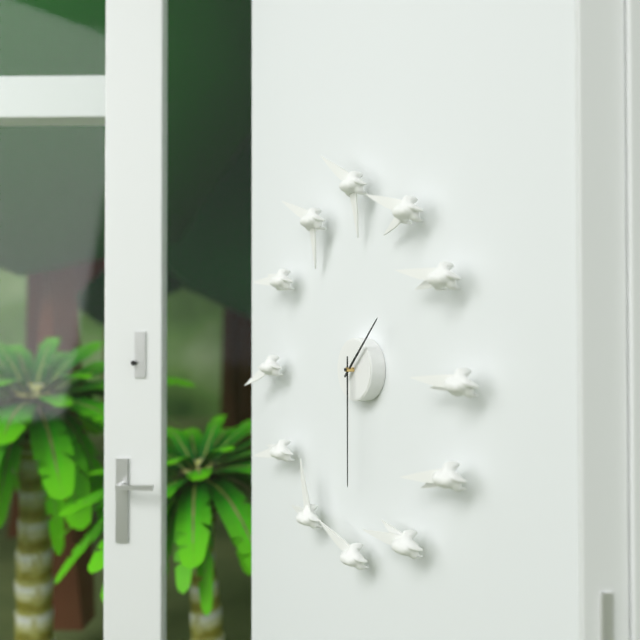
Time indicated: 1:30
